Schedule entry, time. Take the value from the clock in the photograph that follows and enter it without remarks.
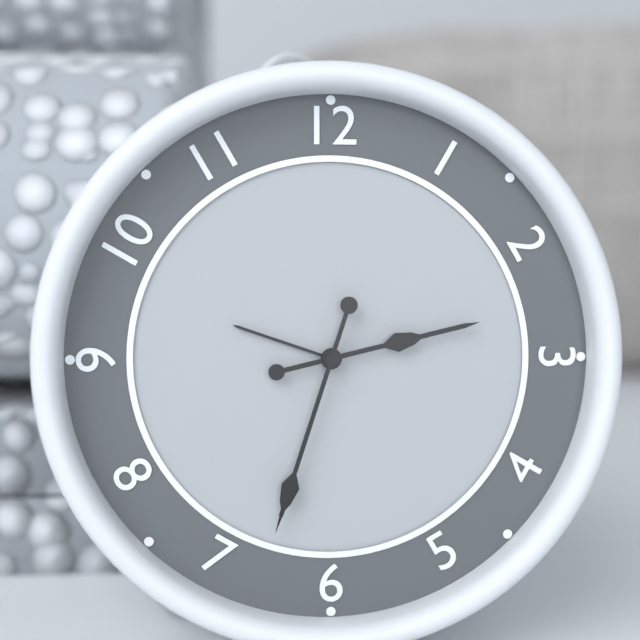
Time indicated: 2:33
